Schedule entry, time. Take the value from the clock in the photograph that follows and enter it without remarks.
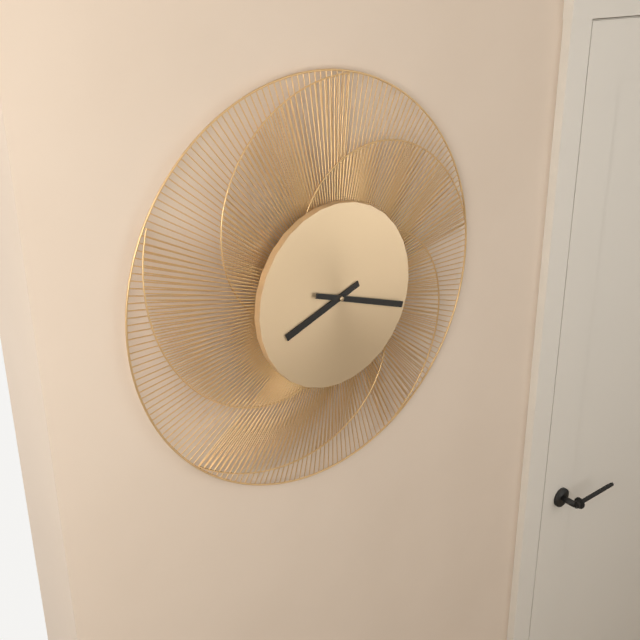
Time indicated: 8:18
